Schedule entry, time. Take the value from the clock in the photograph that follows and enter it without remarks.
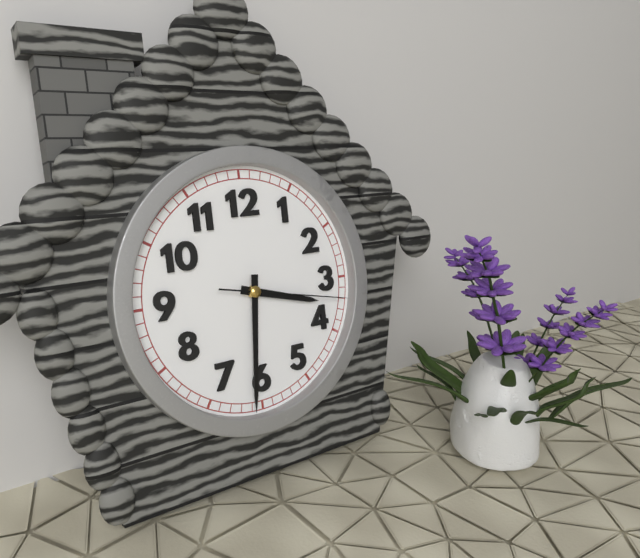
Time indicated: 3:31:17
